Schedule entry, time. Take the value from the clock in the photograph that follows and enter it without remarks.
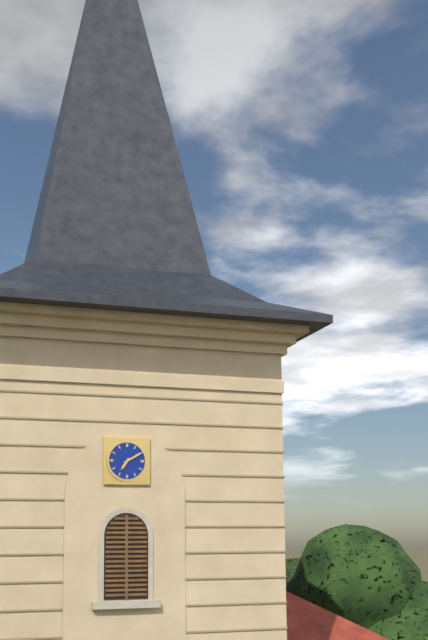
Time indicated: 7:10
